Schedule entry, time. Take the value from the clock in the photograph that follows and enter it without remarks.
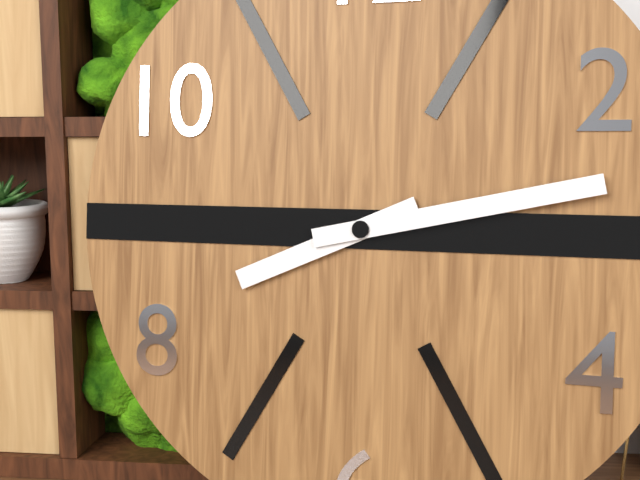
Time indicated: 8:13
